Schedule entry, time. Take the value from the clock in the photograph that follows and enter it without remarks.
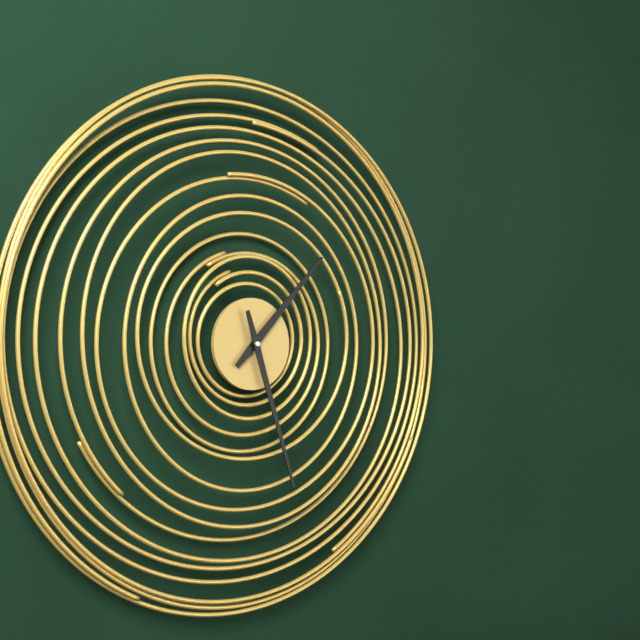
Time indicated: 1:27
